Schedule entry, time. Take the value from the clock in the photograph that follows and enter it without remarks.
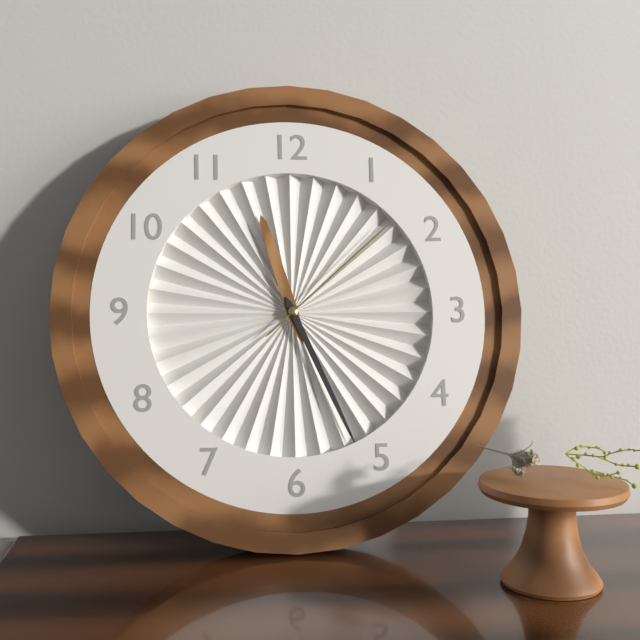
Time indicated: 11:26:08
